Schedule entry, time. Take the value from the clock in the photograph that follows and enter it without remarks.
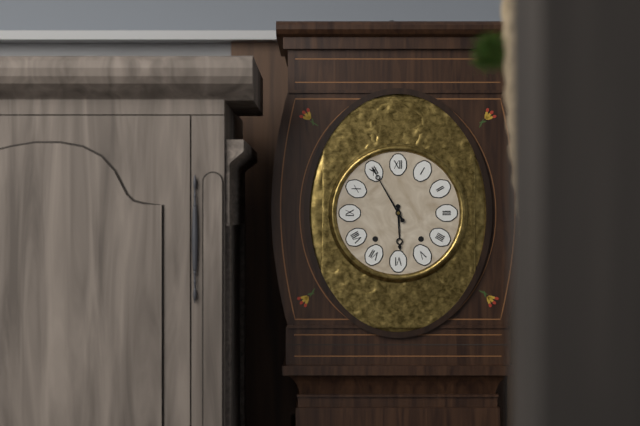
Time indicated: 5:55
